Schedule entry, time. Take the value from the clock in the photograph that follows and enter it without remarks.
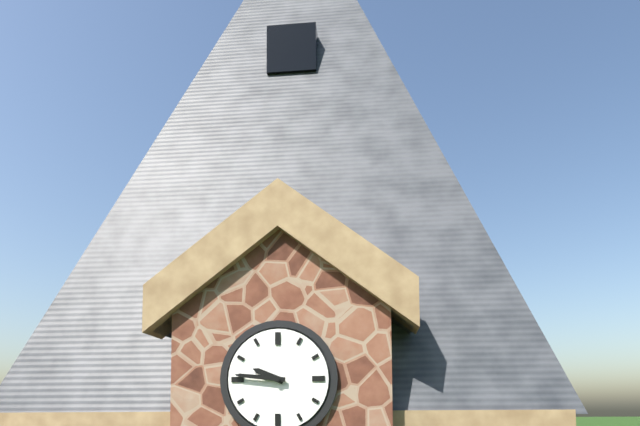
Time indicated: 9:46
